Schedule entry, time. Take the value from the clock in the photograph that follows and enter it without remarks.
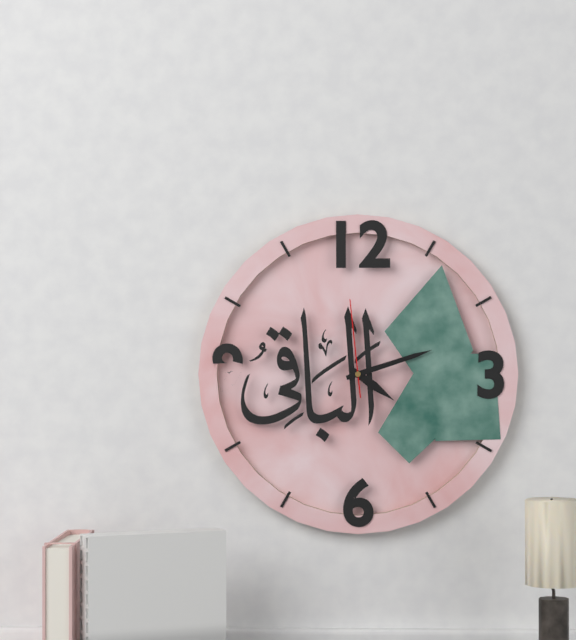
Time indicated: 4:12:59
